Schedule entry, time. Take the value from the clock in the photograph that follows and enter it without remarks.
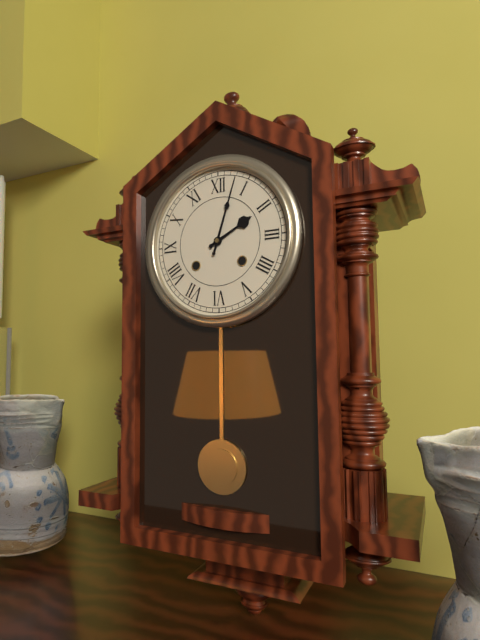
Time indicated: 2:03
